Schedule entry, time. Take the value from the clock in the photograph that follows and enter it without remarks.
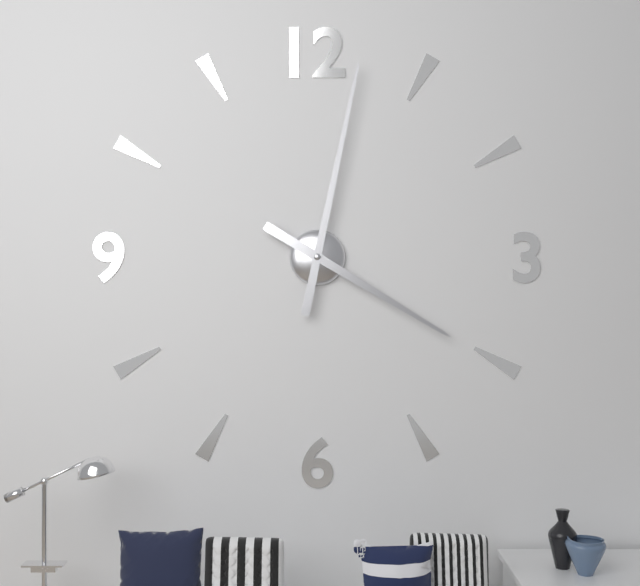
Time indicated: 4:02
